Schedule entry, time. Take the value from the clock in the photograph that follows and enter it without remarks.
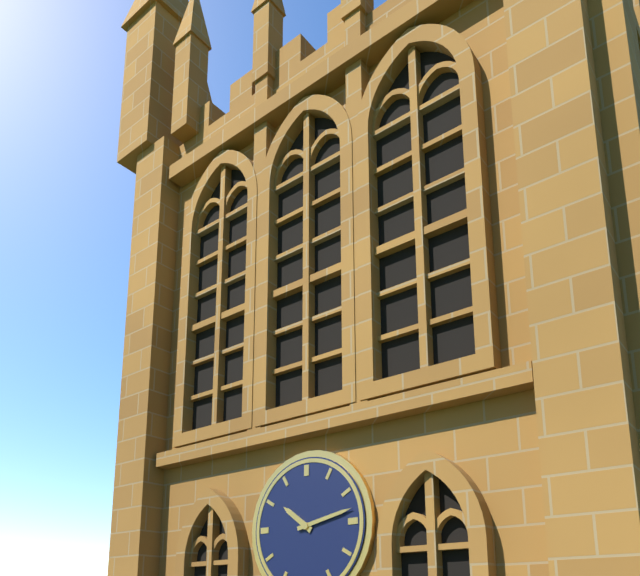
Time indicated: 10:13
